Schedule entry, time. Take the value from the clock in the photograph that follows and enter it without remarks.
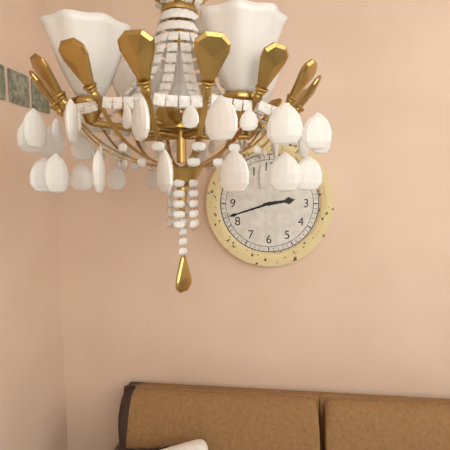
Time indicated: 2:42
